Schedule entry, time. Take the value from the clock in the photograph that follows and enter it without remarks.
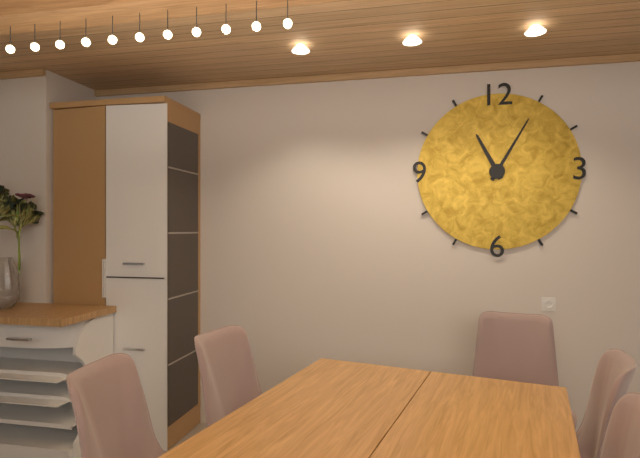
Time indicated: 11:05
